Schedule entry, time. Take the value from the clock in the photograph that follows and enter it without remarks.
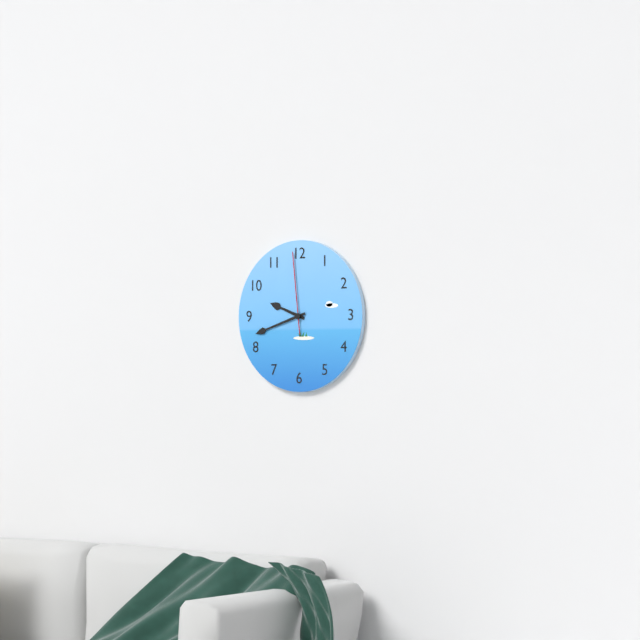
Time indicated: 9:42:59
